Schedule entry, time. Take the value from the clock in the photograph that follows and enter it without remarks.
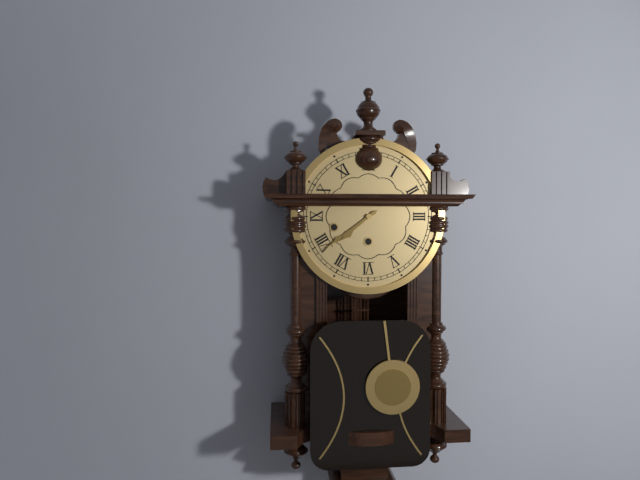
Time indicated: 7:39
